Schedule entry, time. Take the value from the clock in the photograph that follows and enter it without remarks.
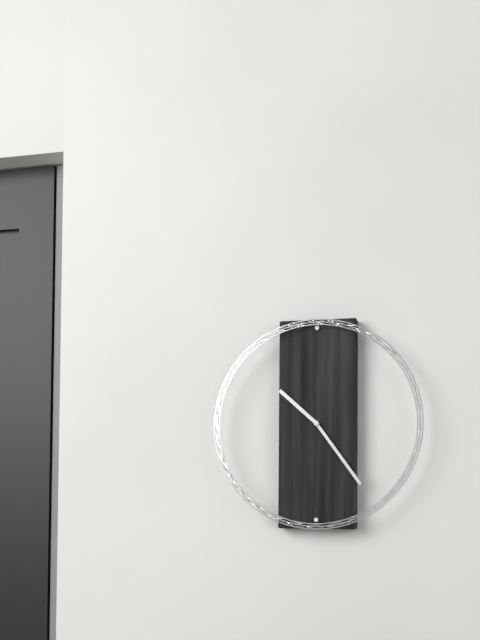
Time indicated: 10:24
